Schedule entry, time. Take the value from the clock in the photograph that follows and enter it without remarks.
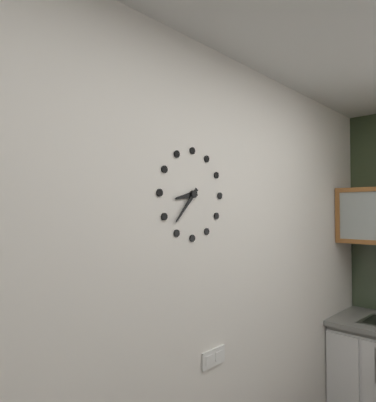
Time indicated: 8:37
